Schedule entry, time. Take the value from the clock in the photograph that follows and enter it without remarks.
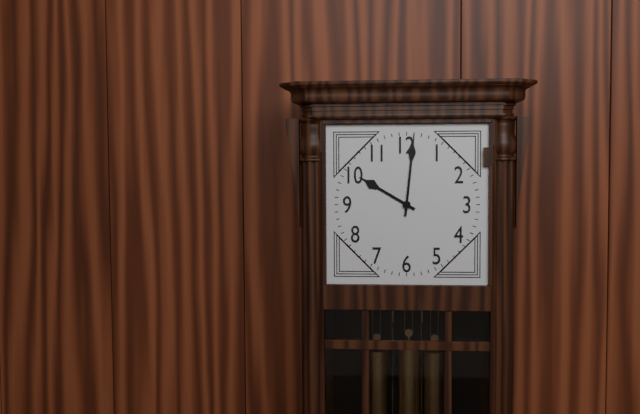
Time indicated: 10:01
